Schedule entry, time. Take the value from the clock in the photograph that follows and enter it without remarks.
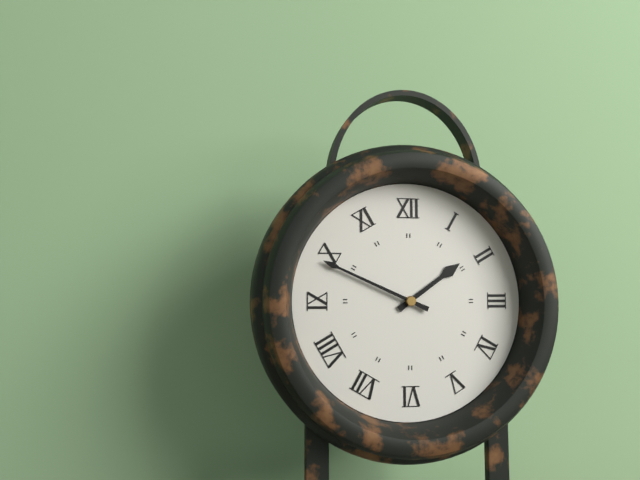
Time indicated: 1:49
